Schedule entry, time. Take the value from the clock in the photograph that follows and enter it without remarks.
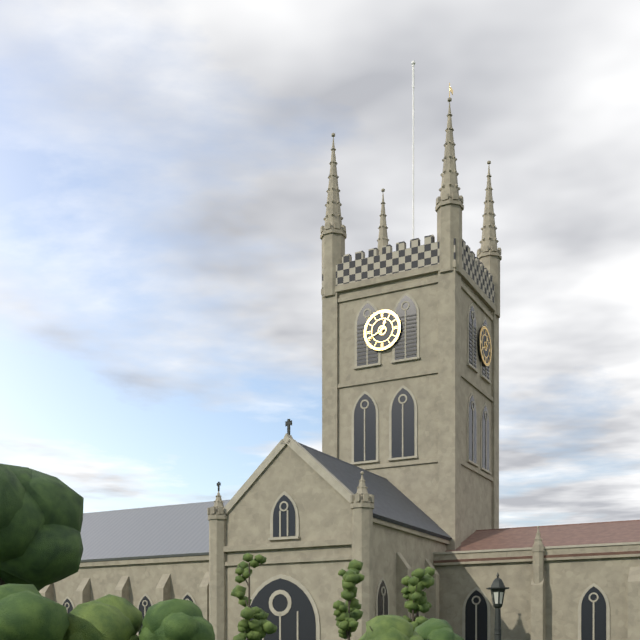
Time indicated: 12:41
